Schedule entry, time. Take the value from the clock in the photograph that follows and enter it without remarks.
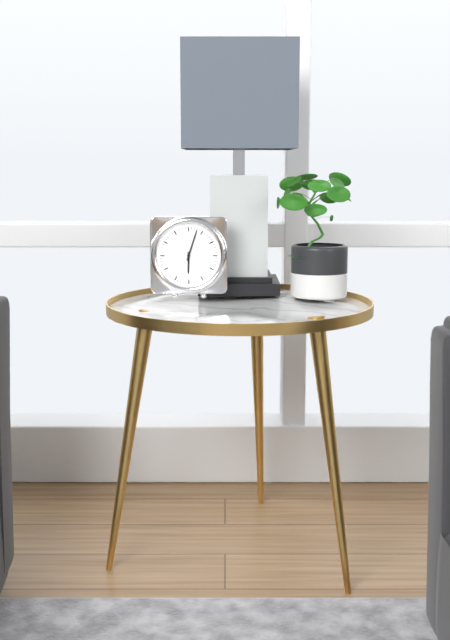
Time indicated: 6:03
